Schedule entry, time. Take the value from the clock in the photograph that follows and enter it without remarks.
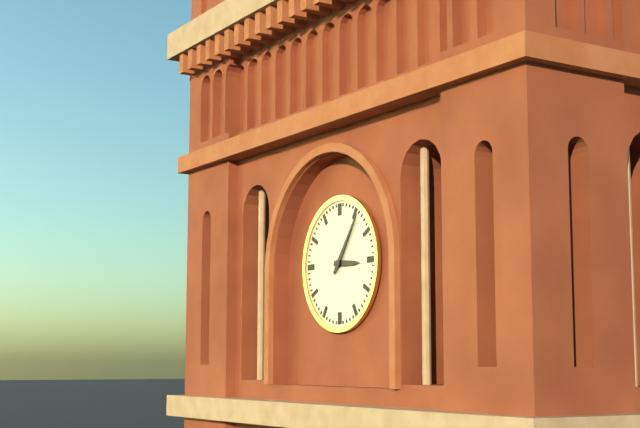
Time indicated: 3:06
